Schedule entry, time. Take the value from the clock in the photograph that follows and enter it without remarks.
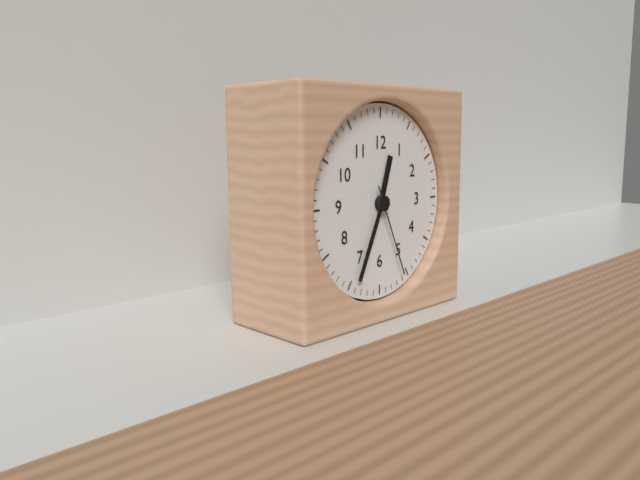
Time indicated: 12:34:26
